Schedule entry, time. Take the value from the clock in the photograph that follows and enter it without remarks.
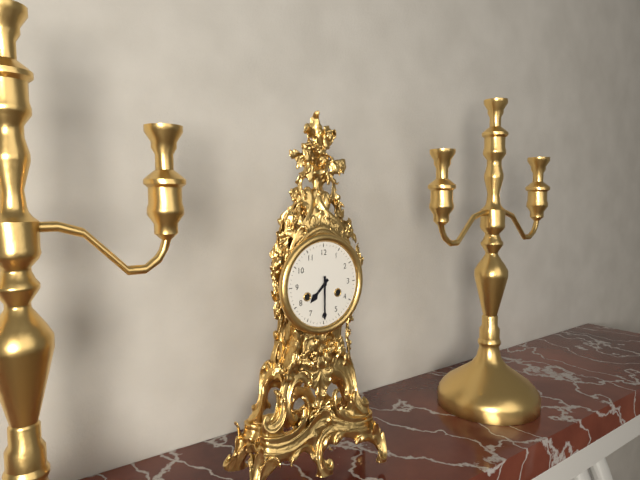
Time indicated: 7:30
